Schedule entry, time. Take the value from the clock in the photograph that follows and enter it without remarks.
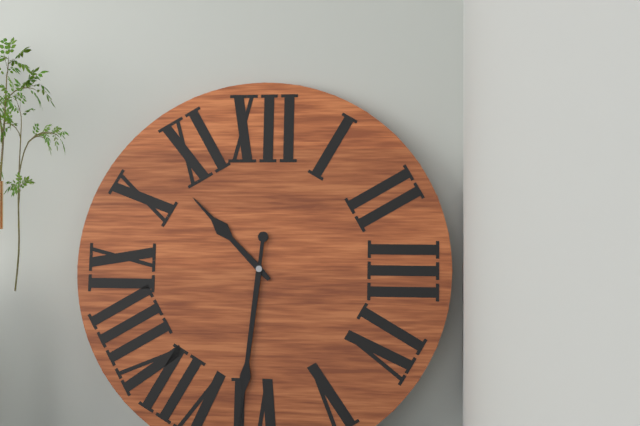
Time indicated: 10:31
